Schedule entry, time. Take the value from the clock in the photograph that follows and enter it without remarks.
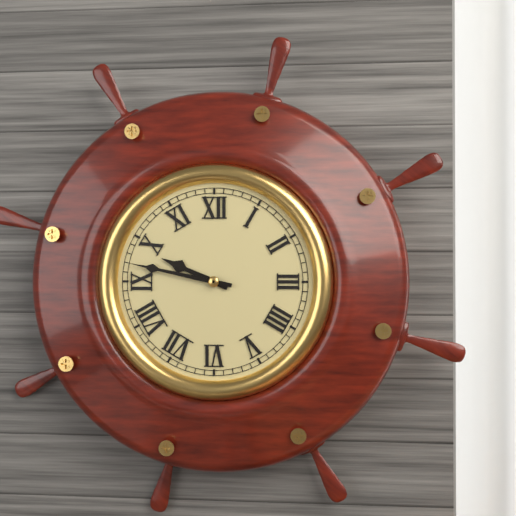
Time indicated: 9:47
